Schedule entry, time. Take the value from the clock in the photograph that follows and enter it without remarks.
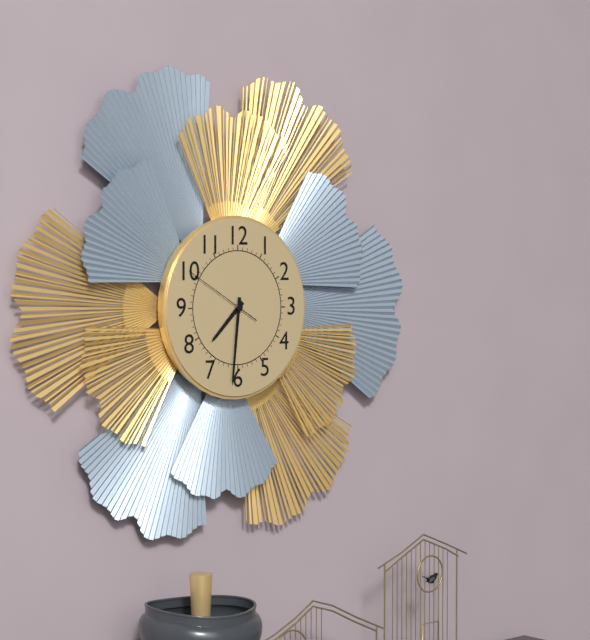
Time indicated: 7:31:50
